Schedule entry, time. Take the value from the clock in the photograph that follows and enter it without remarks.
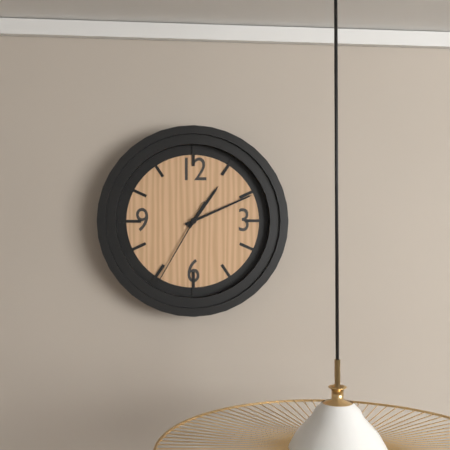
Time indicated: 1:11:35
